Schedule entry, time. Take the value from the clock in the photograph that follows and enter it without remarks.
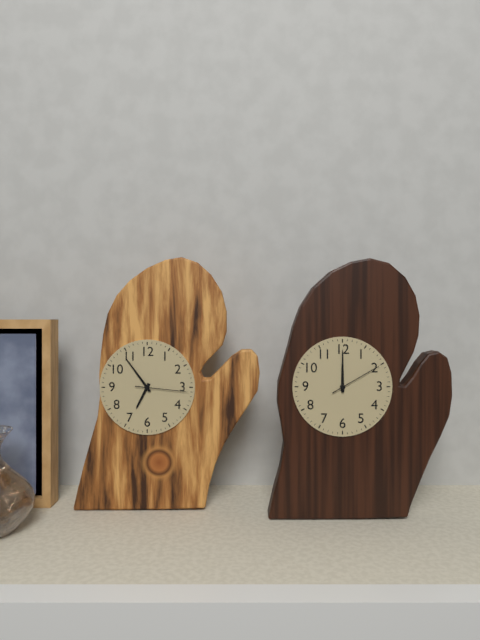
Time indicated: 6:54:16
